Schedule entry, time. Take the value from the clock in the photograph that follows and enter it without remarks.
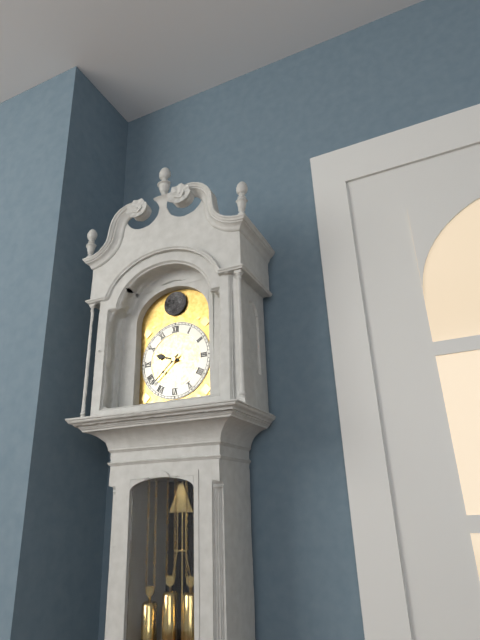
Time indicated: 9:38
